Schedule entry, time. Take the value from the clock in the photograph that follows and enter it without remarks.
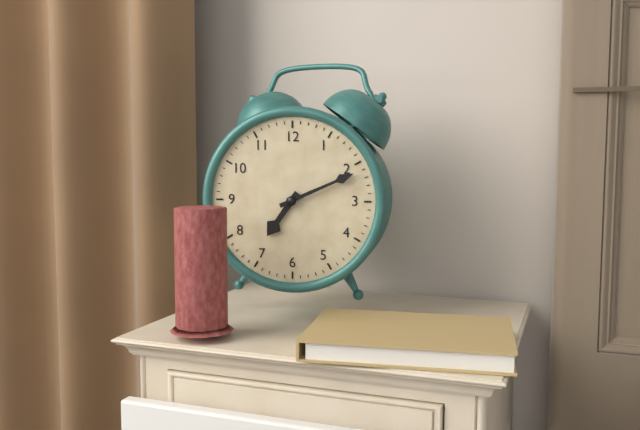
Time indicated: 7:11
